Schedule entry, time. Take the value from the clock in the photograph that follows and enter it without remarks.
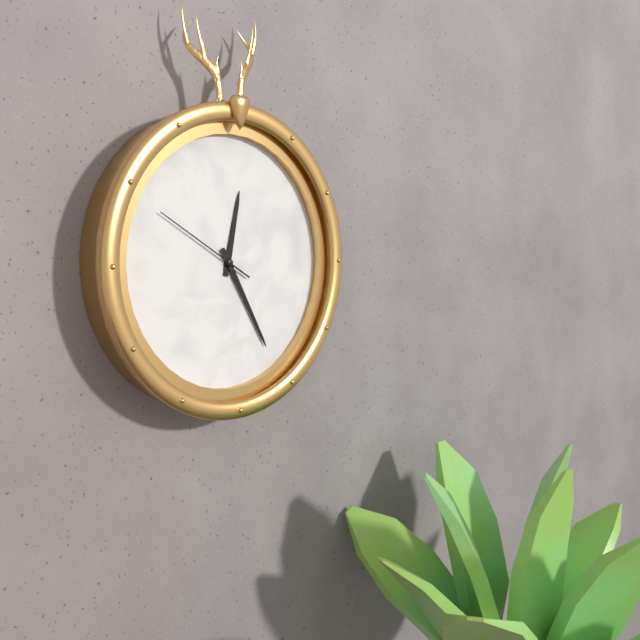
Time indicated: 12:25:50
